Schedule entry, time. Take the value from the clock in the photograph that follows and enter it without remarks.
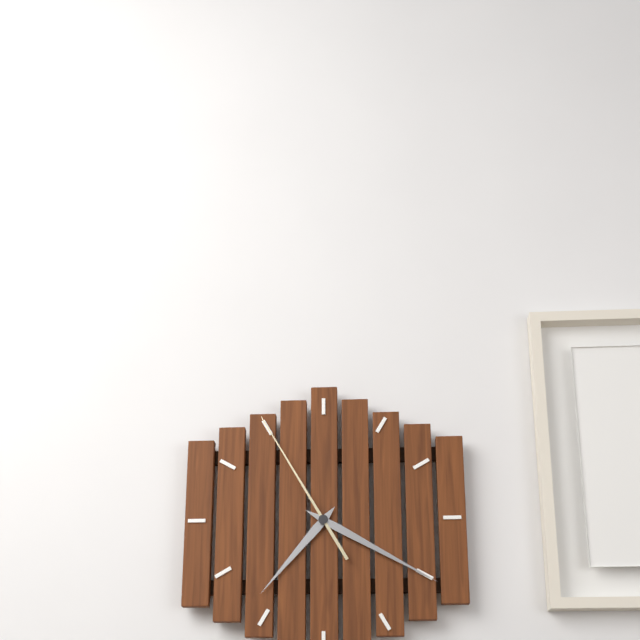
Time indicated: 7:20:55
